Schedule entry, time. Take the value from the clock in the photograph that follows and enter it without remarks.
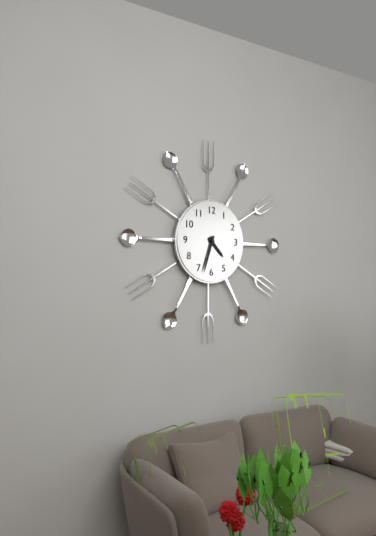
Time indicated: 4:33
